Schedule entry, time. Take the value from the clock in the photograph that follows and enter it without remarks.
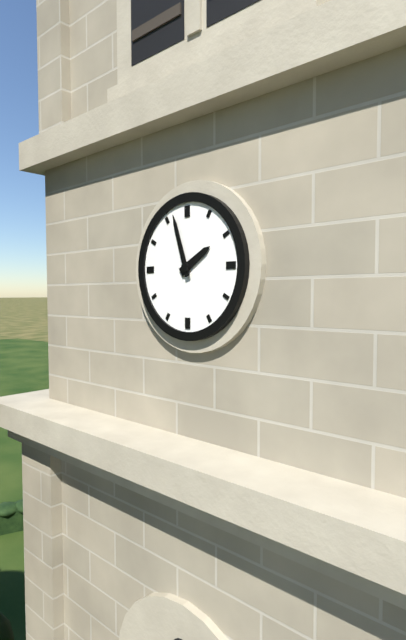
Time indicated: 1:57
